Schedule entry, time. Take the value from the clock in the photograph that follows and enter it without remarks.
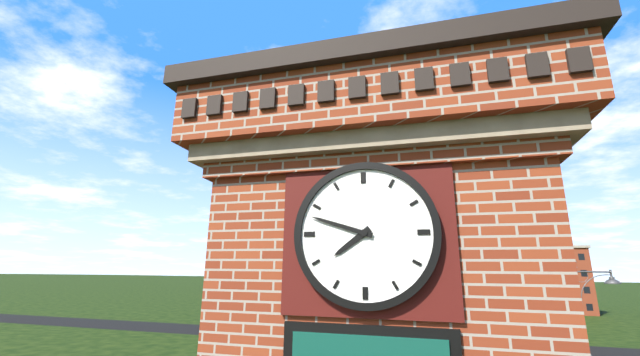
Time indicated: 7:48
